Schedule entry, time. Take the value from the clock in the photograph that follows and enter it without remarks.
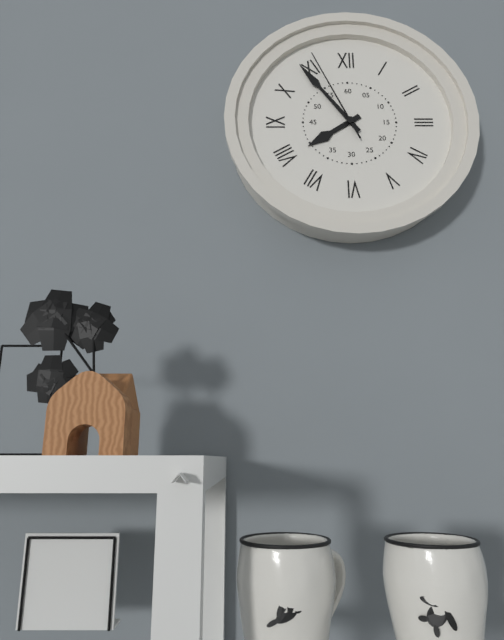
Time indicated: 7:54:56
